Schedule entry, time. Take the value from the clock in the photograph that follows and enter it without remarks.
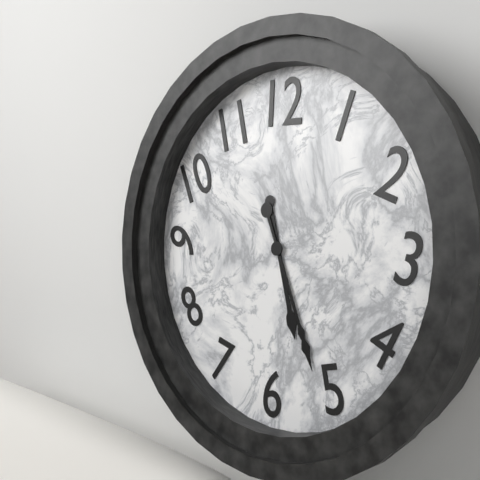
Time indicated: 5:26
